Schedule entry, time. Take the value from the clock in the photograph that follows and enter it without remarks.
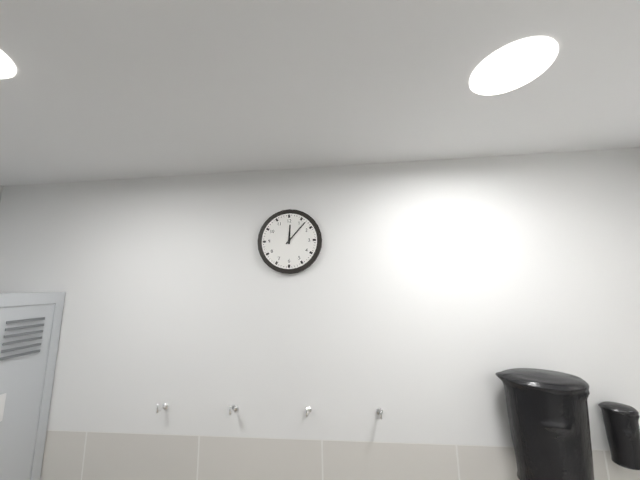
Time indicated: 12:07
